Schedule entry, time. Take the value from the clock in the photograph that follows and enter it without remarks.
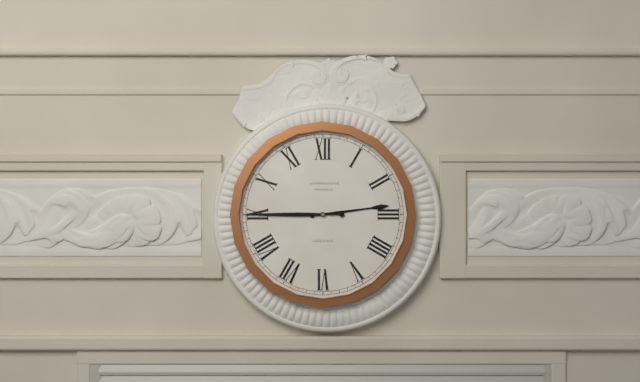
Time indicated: 2:45
